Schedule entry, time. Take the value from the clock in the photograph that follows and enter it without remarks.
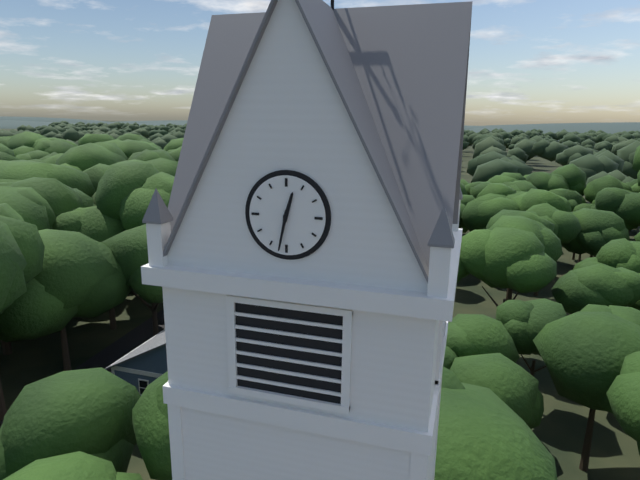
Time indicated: 12:32
